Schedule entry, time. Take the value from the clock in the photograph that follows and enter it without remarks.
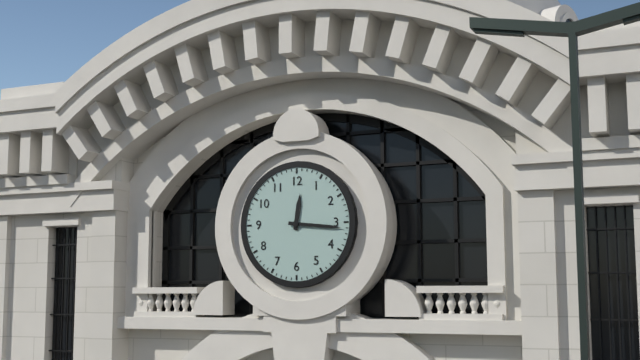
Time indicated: 12:16
